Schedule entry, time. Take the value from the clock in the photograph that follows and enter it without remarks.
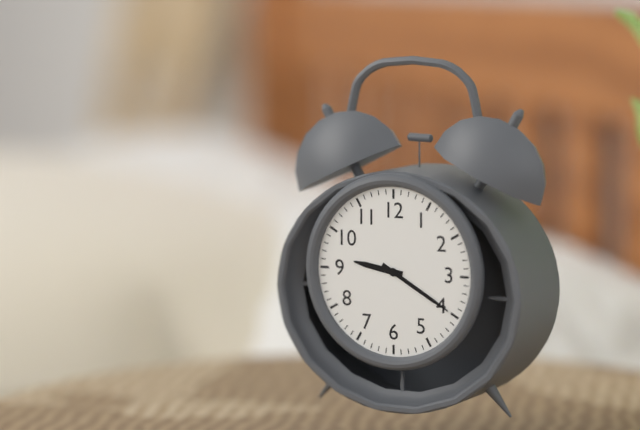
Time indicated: 9:20
